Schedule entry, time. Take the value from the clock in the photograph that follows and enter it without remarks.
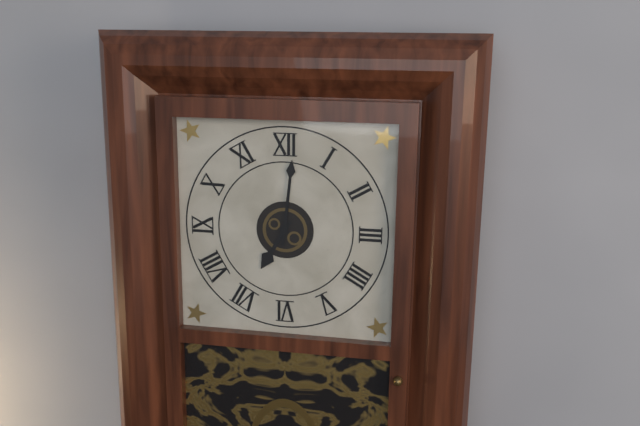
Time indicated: 7:01
